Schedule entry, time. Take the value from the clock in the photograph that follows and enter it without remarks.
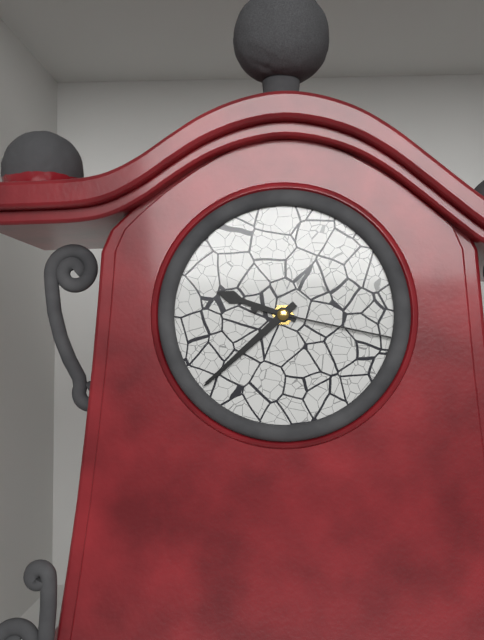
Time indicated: 9:38:17
